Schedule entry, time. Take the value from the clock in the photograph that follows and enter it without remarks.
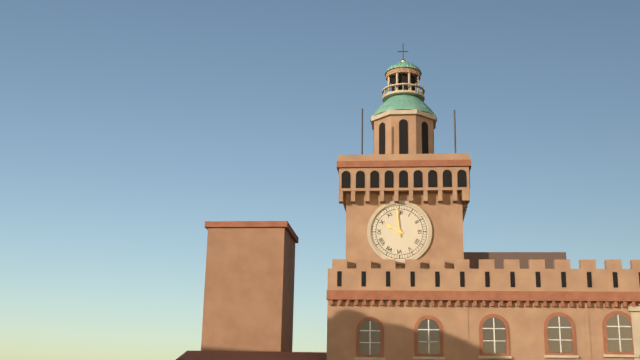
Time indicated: 9:59
